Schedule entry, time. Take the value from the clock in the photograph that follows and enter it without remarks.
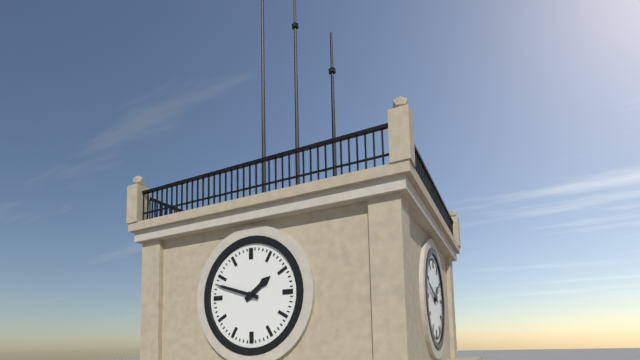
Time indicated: 1:48
